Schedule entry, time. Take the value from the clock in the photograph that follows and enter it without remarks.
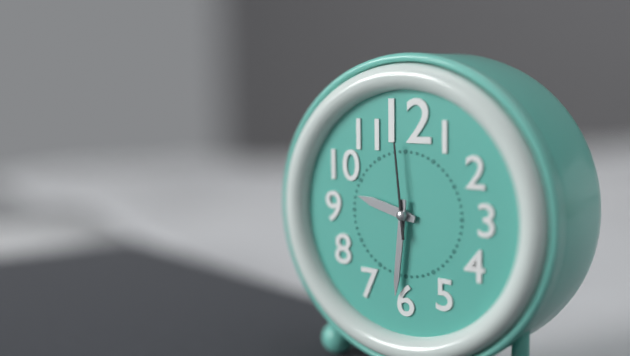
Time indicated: 9:31:59
